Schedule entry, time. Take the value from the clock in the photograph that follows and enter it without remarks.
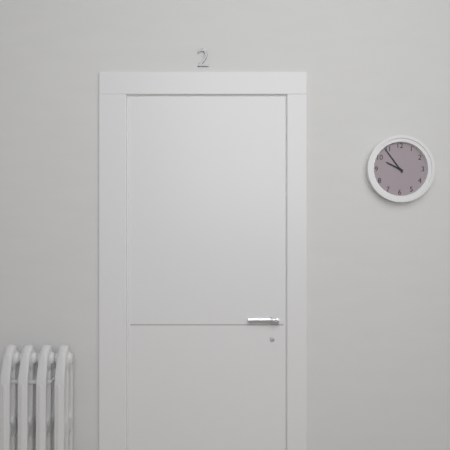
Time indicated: 9:54
